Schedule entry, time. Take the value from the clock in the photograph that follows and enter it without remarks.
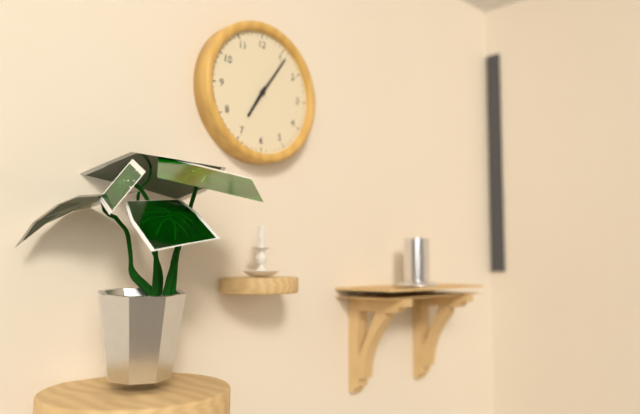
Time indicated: 7:06
